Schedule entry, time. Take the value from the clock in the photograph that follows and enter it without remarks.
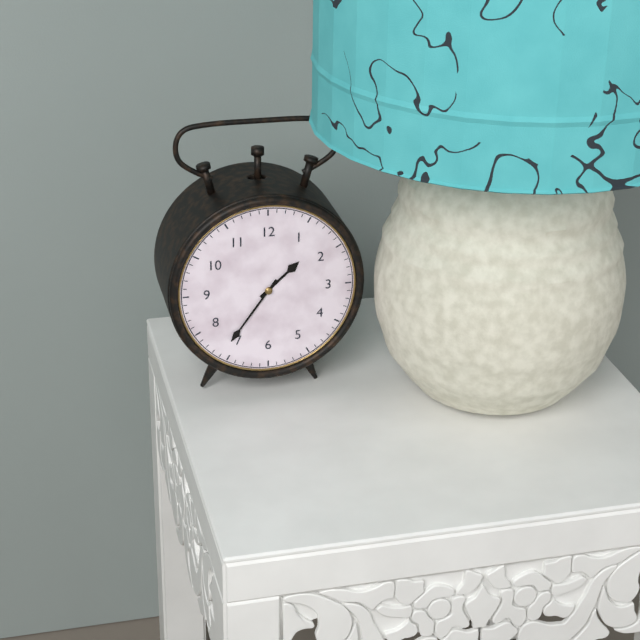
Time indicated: 1:36
